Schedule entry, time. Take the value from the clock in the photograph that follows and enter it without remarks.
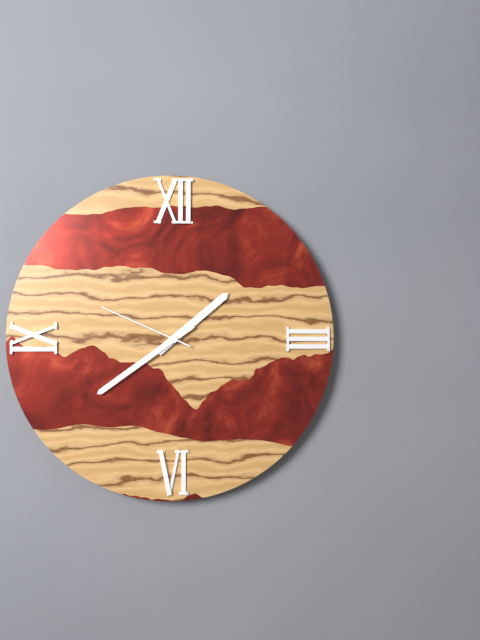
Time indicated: 1:39:49
